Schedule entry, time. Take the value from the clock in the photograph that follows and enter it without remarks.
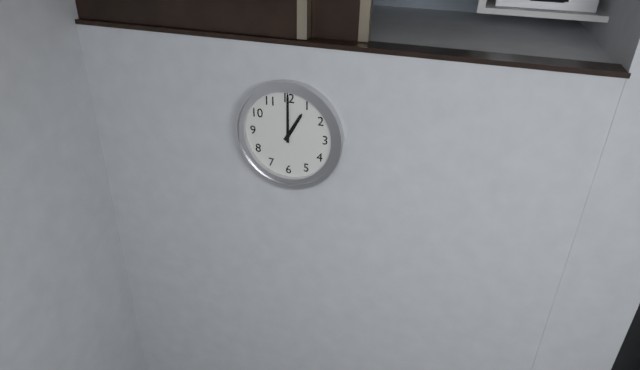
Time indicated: 1:00
